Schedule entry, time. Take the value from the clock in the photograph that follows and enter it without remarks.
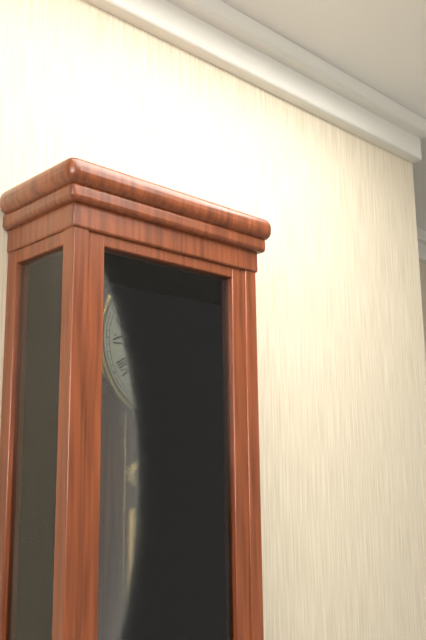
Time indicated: 4:48
